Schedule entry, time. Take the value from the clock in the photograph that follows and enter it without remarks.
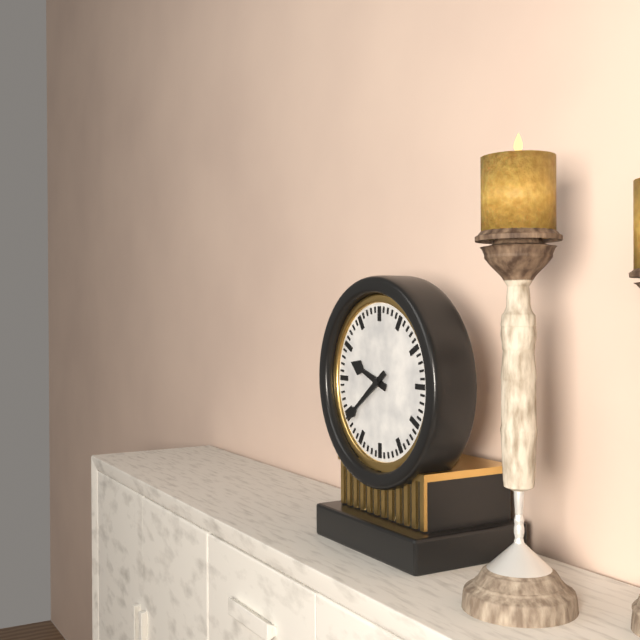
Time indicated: 9:39
